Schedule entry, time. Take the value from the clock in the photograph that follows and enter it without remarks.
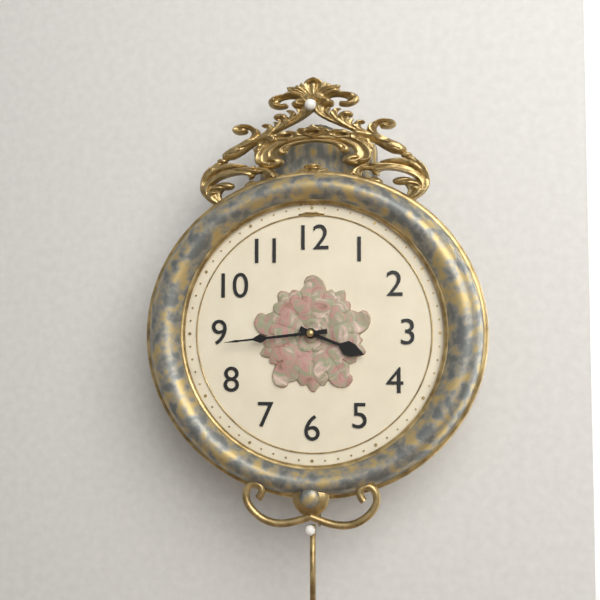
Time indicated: 3:44
